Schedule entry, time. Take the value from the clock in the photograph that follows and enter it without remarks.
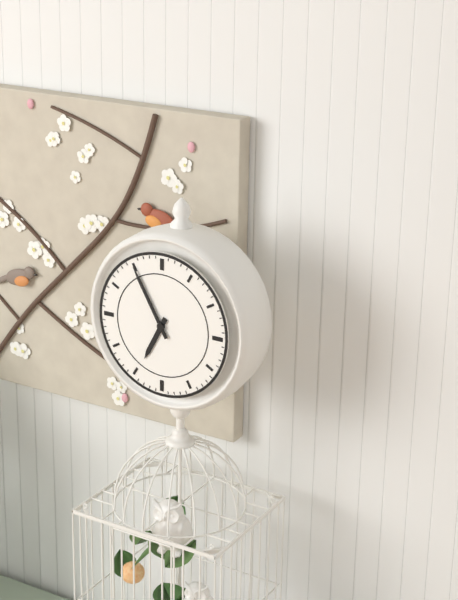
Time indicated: 6:55
